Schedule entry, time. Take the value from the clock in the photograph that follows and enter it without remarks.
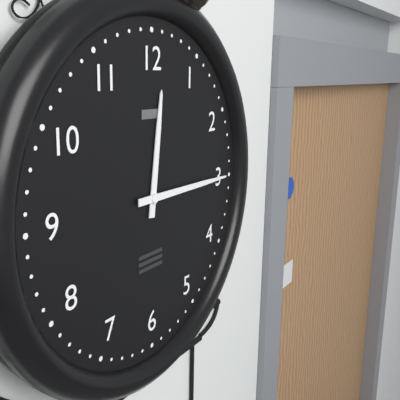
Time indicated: 12:15
